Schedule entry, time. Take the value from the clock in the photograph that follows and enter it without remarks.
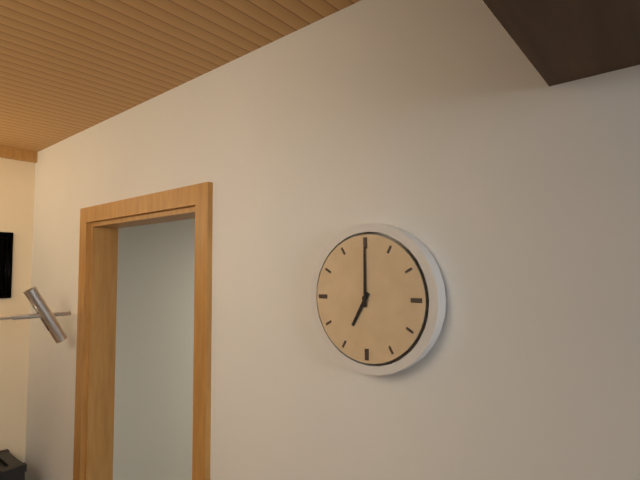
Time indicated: 7:00
